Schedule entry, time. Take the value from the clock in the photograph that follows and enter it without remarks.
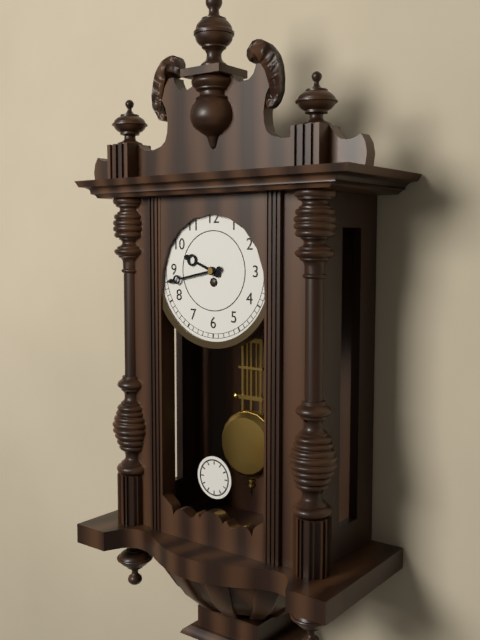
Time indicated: 9:43
